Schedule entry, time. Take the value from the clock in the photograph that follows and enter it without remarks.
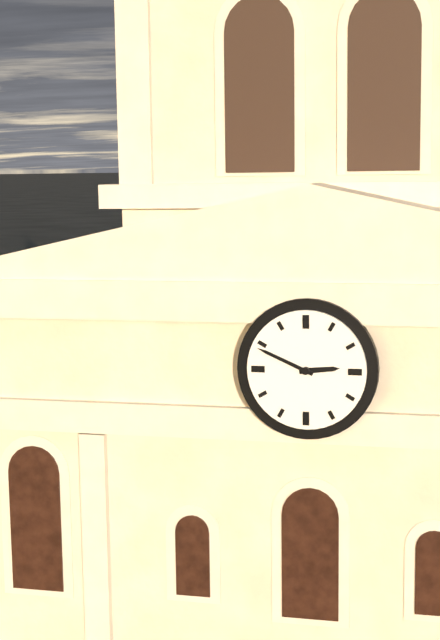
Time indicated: 2:49
